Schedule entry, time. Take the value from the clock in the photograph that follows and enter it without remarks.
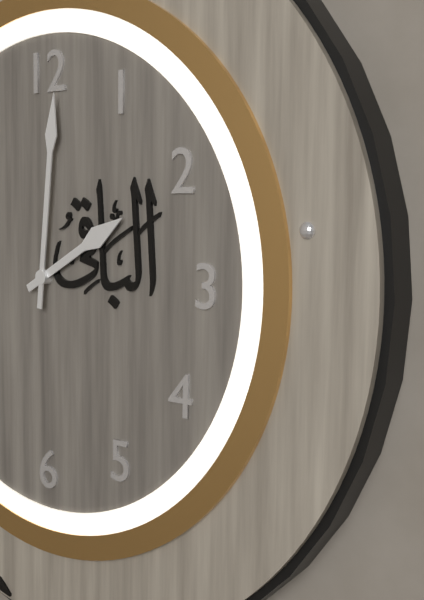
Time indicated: 2:01
